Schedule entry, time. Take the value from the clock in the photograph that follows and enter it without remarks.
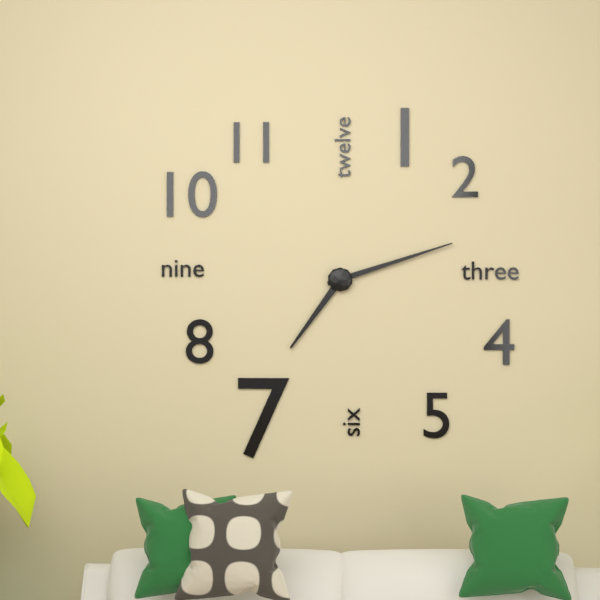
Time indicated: 7:12
